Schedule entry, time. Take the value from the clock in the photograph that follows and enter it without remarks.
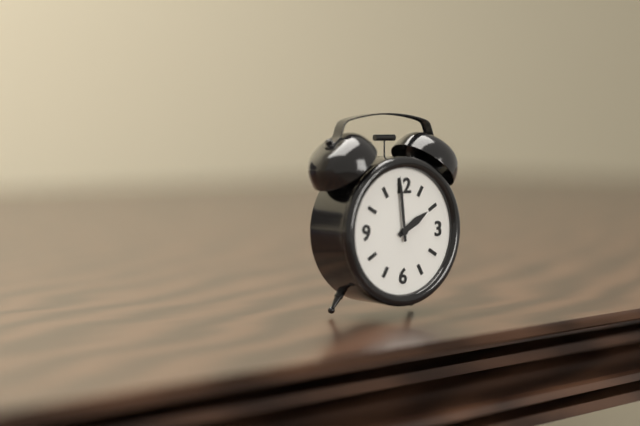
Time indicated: 1:59
